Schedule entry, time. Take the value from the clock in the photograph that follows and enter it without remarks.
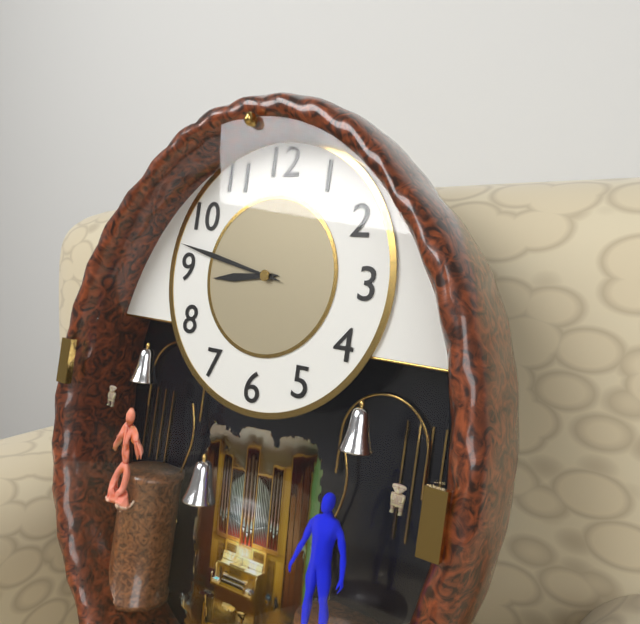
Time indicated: 8:47
